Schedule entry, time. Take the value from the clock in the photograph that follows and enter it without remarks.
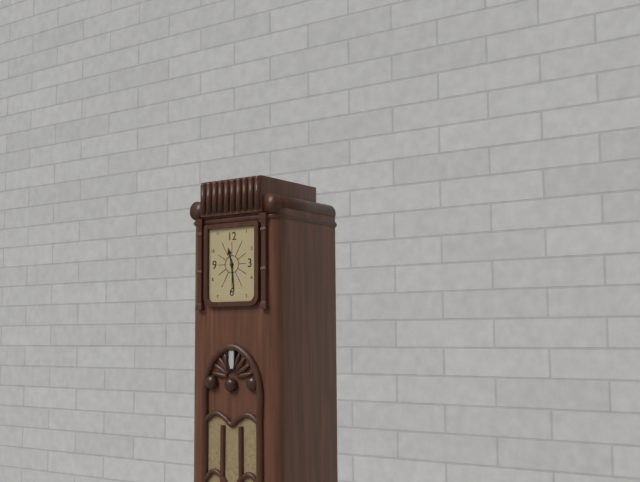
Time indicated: 11:29
